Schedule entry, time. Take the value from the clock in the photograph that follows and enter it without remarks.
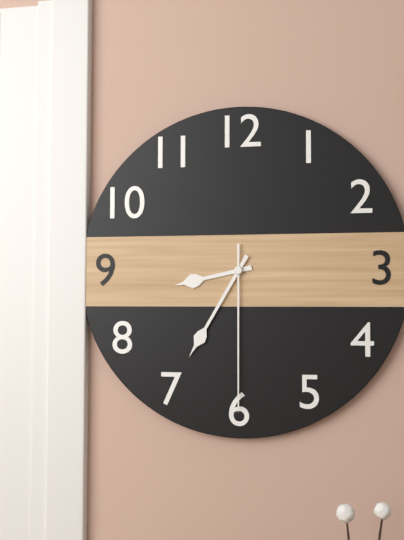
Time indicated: 8:35:30
